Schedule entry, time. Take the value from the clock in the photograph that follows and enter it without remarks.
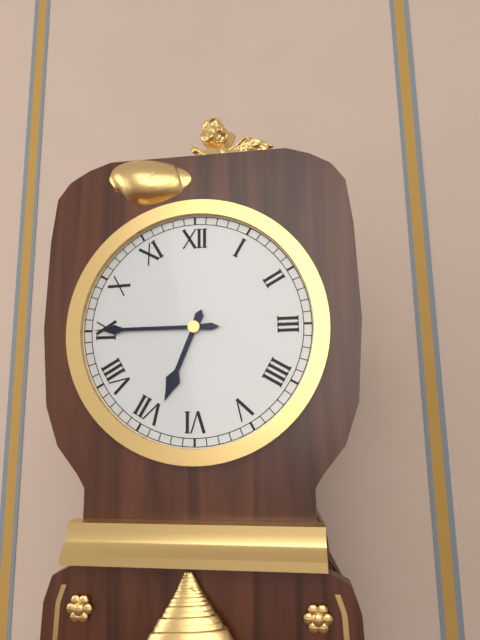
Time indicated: 6:45
